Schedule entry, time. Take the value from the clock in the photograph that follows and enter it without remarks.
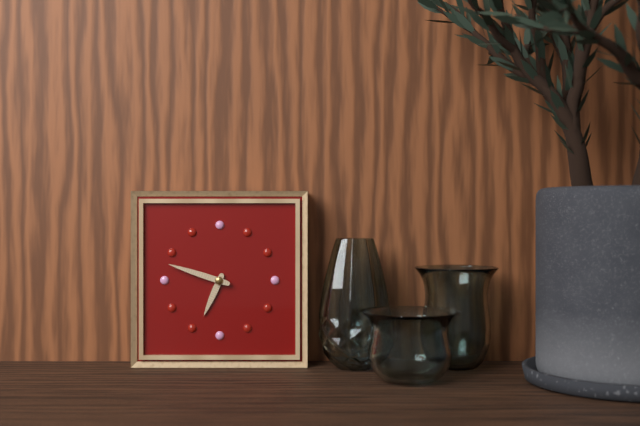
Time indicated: 6:48
